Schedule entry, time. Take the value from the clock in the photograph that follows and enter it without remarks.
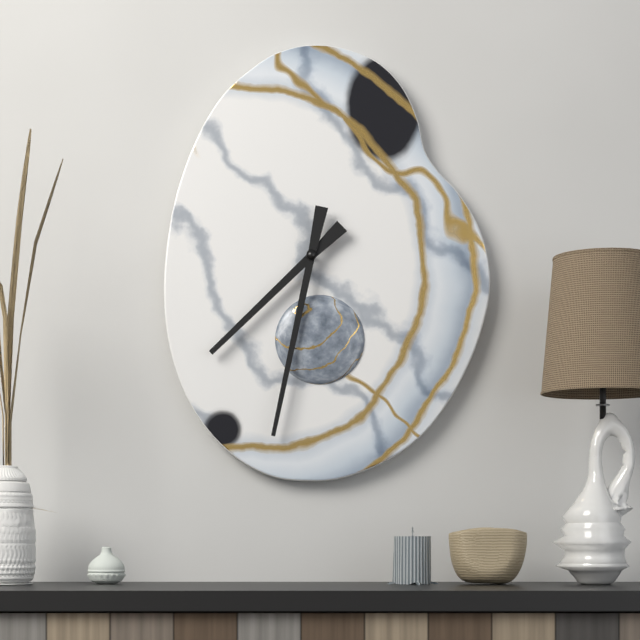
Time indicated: 7:32
